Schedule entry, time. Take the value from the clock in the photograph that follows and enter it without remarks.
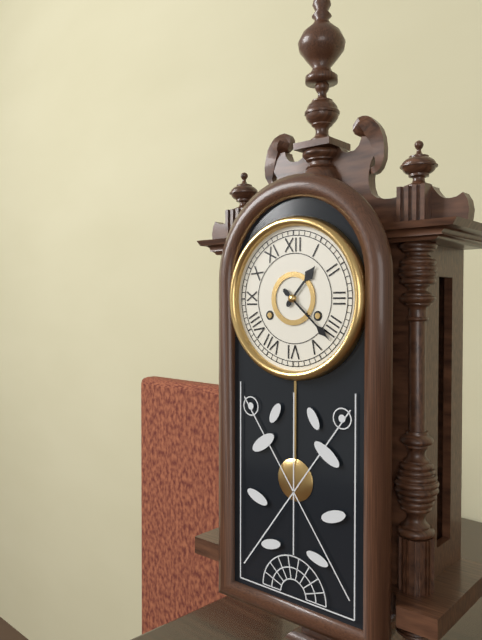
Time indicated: 1:22
